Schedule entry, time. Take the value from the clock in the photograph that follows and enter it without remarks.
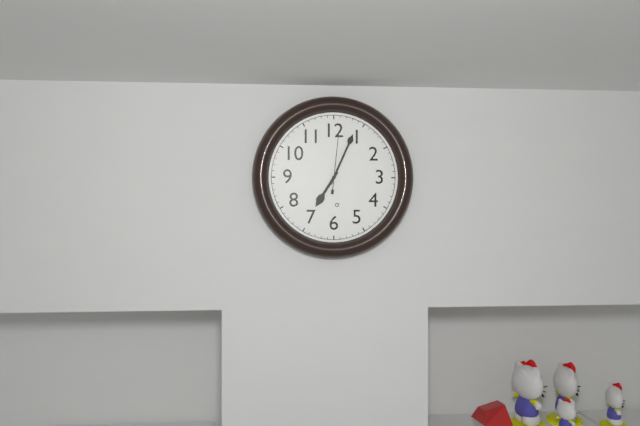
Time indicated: 7:04:01
